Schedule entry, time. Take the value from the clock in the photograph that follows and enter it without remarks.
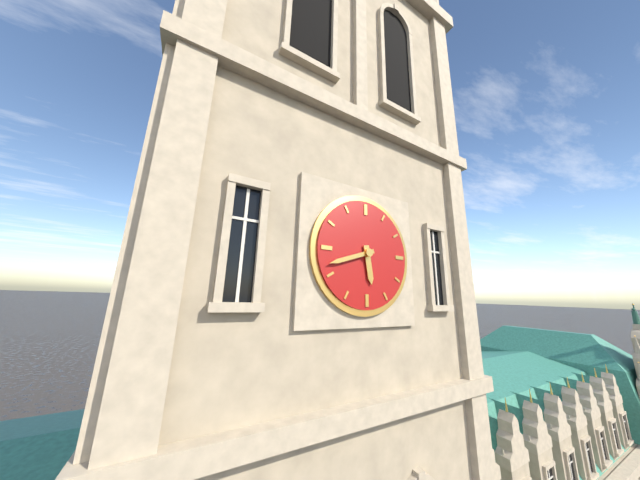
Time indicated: 5:42
